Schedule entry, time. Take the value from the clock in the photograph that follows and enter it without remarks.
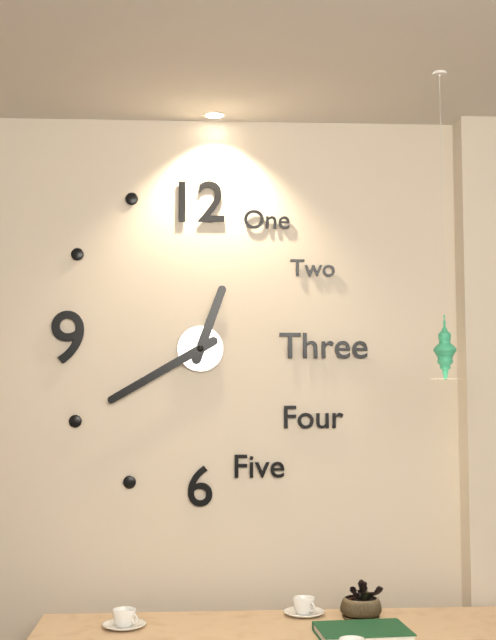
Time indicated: 12:40
